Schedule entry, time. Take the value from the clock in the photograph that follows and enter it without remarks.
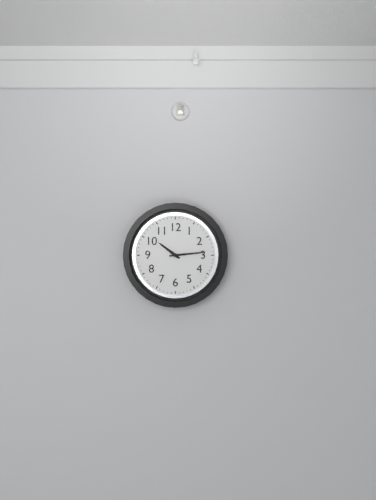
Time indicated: 10:14
